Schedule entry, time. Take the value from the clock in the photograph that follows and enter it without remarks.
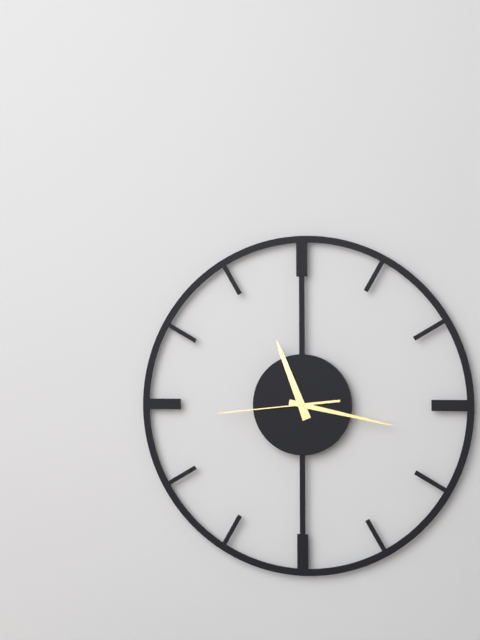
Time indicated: 11:17:44
